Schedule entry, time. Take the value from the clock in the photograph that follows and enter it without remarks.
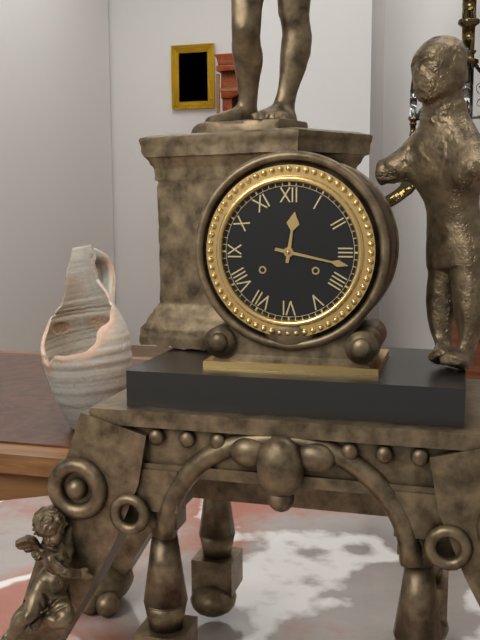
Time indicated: 12:17
